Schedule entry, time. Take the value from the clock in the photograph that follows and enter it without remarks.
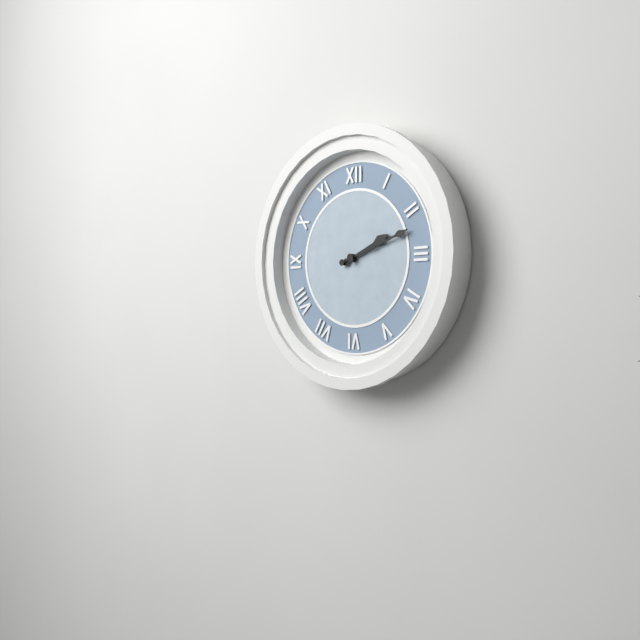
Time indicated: 2:12
